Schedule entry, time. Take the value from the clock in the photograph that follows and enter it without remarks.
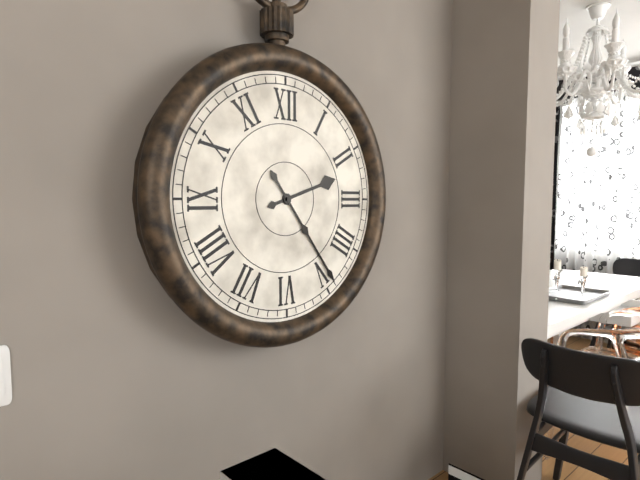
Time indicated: 2:24
